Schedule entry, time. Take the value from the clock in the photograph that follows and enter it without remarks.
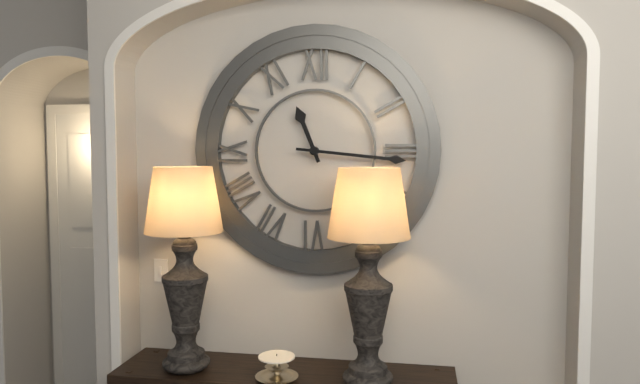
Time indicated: 11:16
